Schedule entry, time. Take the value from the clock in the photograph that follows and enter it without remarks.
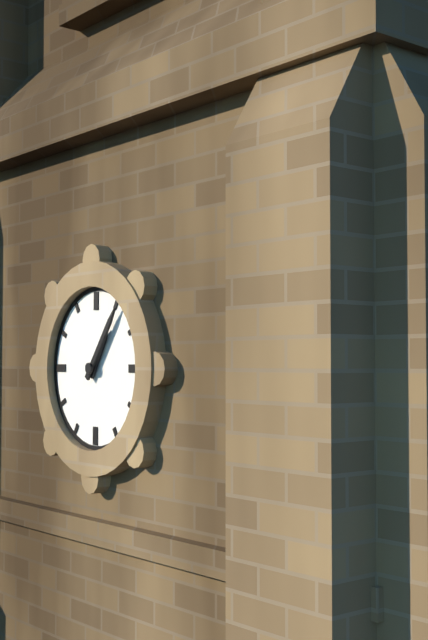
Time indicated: 1:06
